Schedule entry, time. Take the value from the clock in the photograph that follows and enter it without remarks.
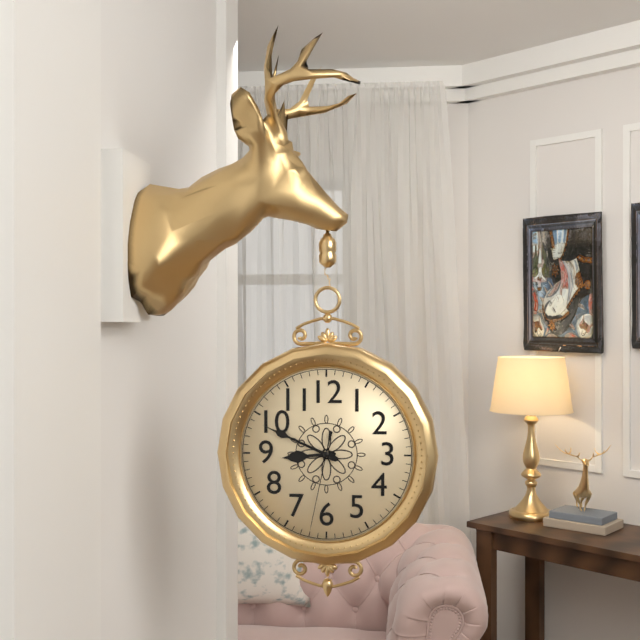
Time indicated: 8:49:32
